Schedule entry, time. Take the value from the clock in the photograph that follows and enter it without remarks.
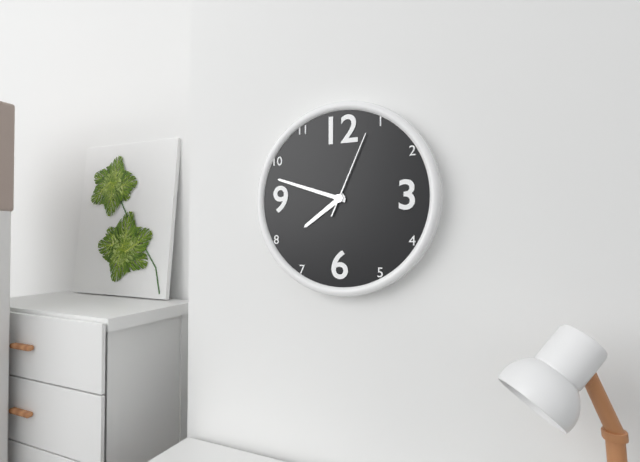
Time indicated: 7:48:04
